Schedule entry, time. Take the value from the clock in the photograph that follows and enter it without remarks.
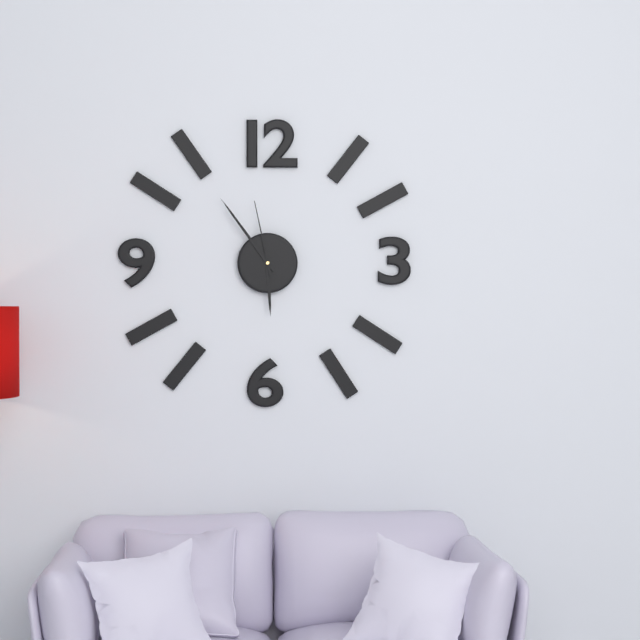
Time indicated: 5:54:58
